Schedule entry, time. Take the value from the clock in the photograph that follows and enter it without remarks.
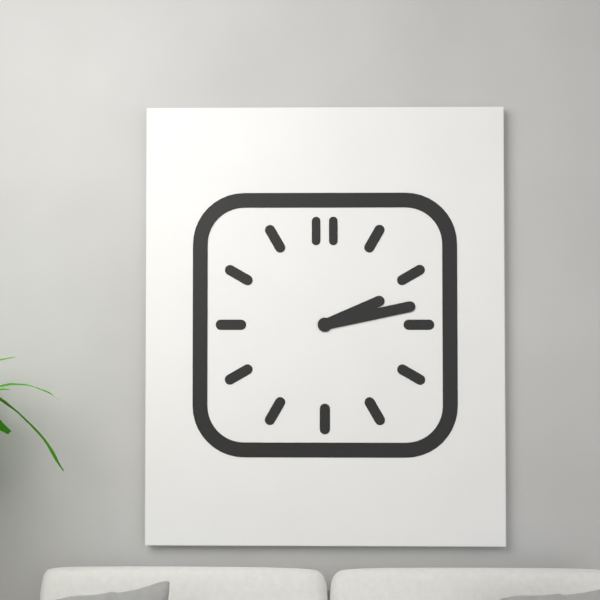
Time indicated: 2:13
